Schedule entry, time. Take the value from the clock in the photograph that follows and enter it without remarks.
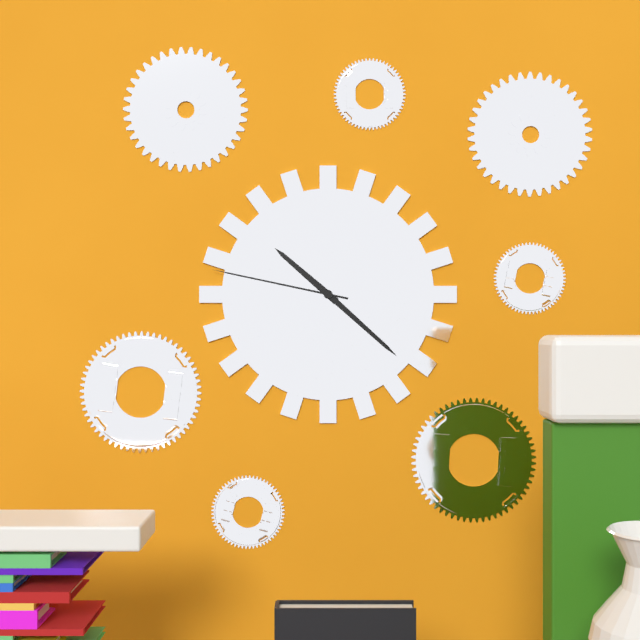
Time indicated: 10:22:47
